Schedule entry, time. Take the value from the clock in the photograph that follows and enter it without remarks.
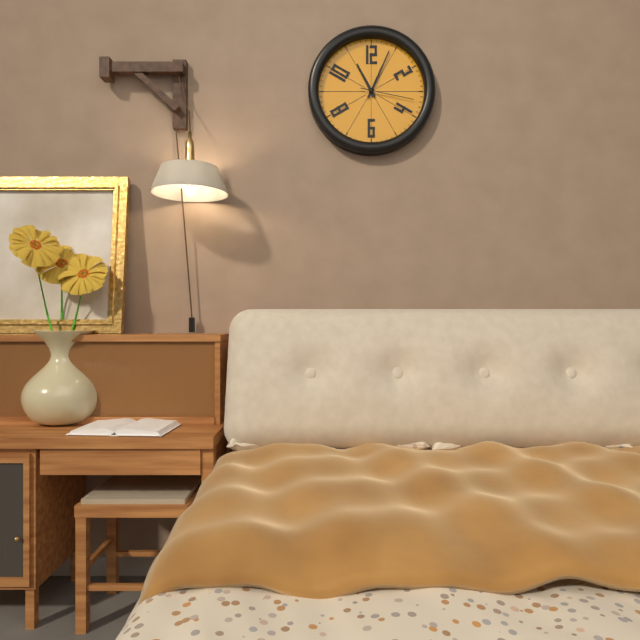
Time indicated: 11:04:17
